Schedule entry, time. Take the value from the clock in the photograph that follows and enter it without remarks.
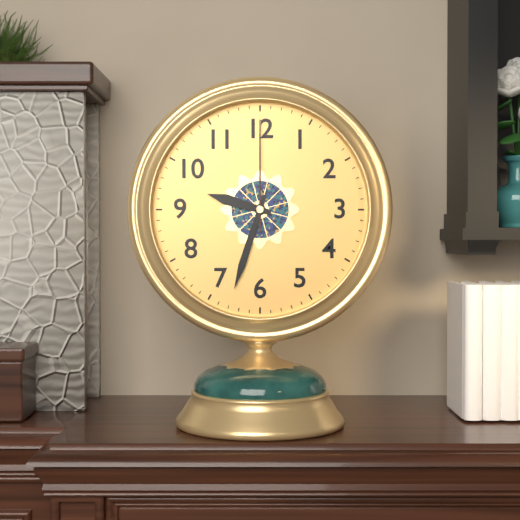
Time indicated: 9:33:00
